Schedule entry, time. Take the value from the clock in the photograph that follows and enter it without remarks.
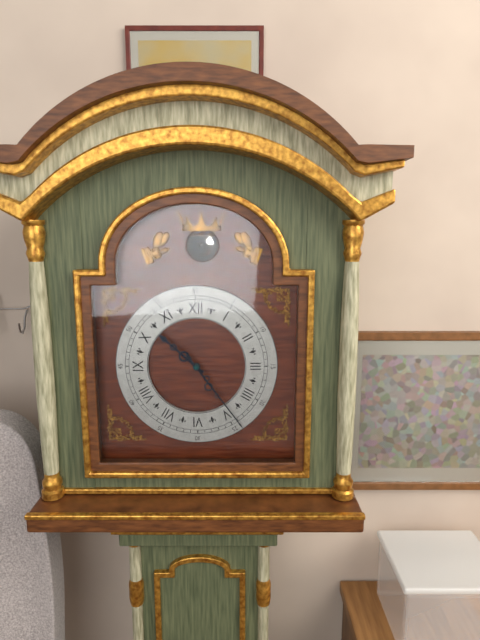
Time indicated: 10:24
